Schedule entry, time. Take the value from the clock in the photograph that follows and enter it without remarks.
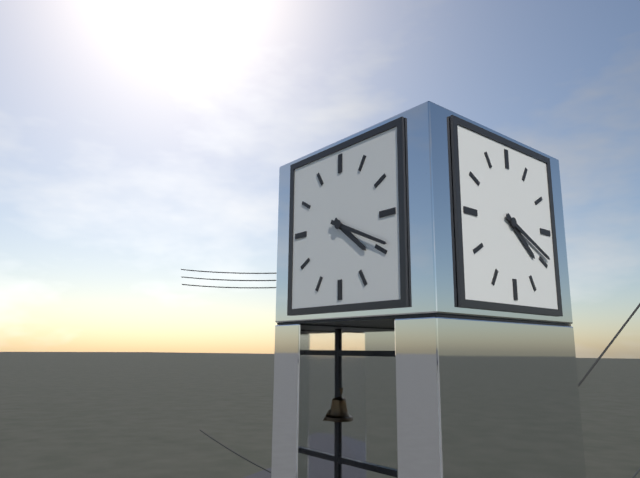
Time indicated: 4:19
